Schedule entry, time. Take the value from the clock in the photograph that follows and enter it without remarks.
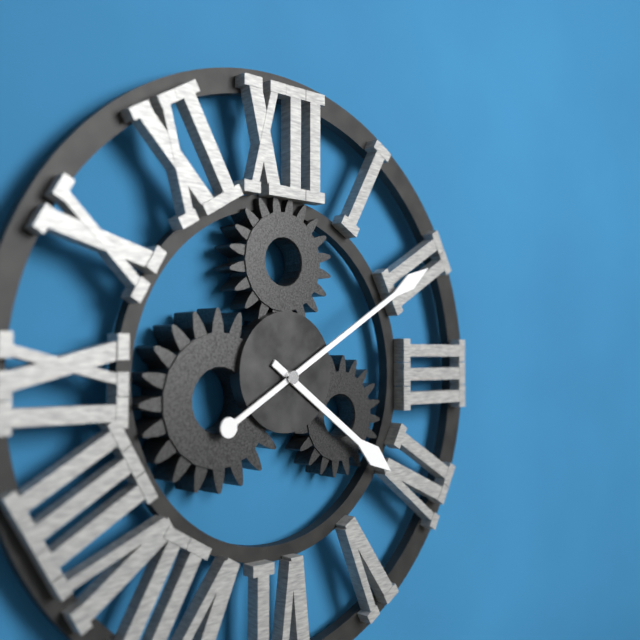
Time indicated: 4:10
